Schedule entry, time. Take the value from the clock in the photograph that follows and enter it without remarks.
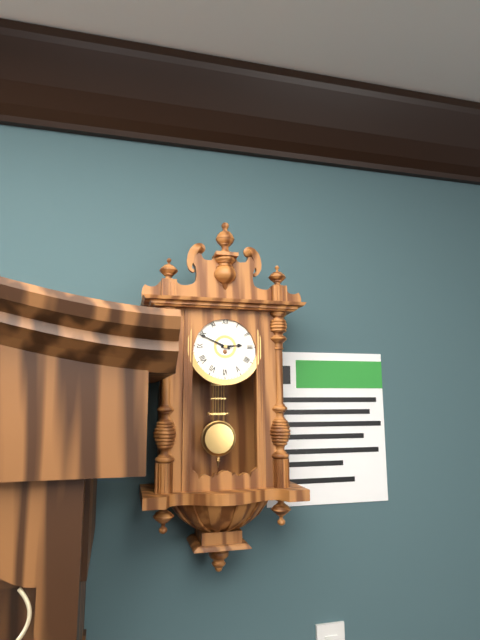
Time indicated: 2:49
